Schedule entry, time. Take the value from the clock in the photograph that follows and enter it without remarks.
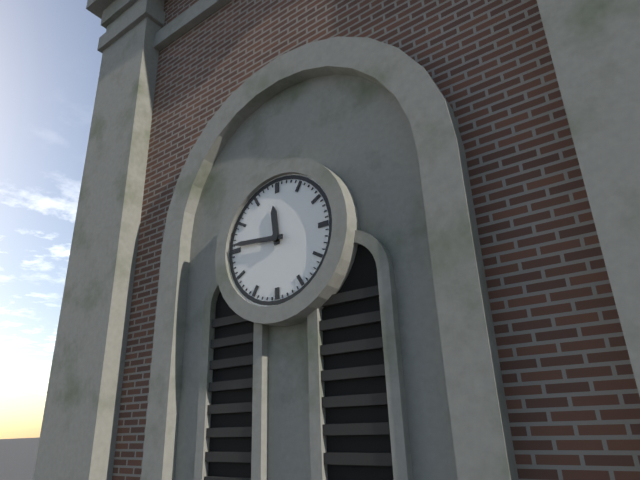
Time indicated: 11:46
